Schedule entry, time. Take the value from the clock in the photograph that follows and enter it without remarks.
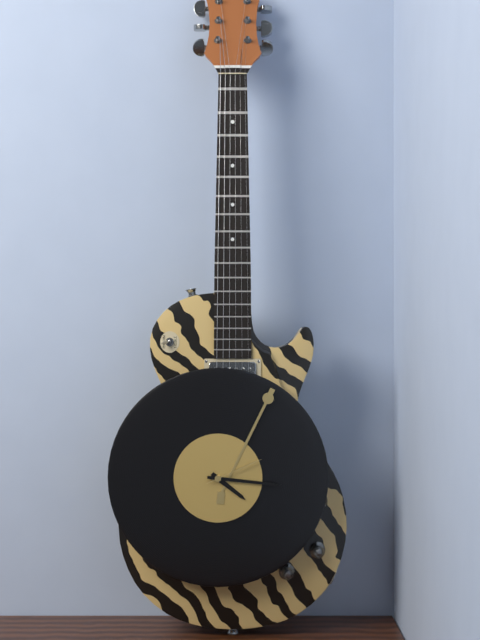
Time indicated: 4:16:11
